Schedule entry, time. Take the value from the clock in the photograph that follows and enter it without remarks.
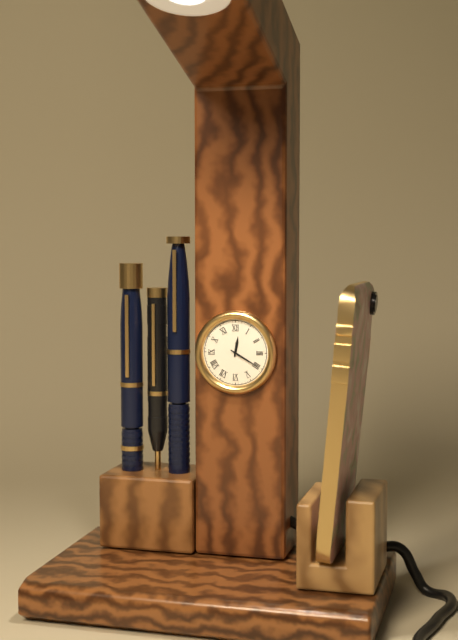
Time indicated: 12:20
